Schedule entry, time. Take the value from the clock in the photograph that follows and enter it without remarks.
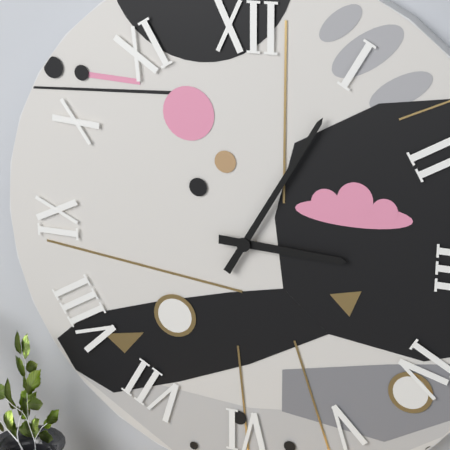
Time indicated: 3:05
